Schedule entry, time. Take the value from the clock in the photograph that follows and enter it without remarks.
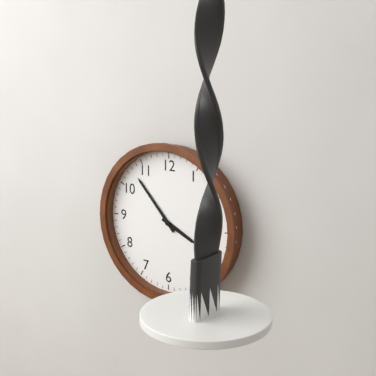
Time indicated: 3:53
